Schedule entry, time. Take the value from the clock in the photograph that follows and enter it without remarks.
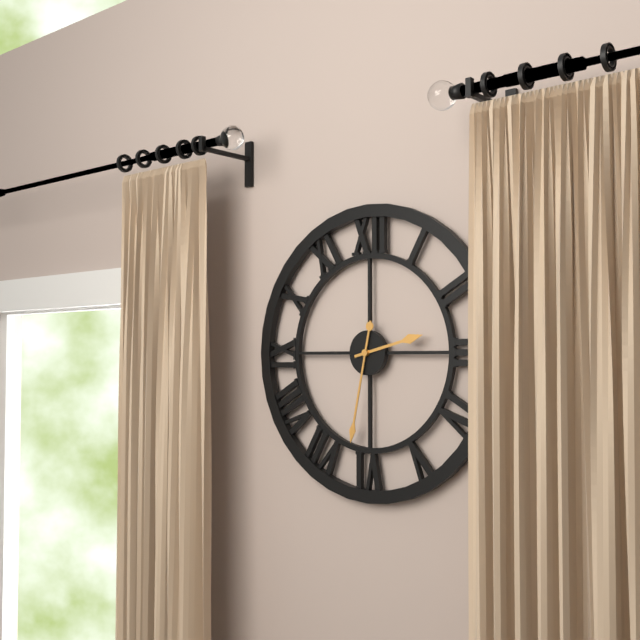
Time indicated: 2:32
